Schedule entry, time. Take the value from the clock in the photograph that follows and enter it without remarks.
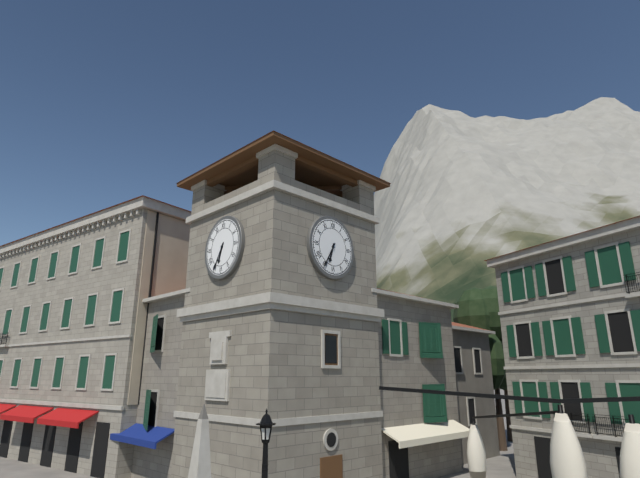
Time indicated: 6:35
